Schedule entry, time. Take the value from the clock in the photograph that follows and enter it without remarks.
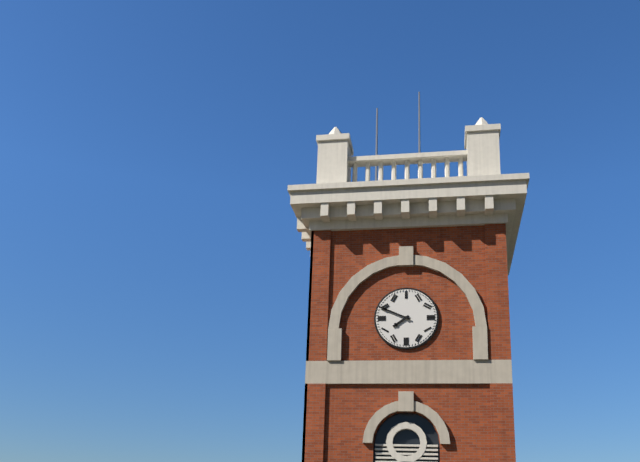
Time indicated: 7:49
